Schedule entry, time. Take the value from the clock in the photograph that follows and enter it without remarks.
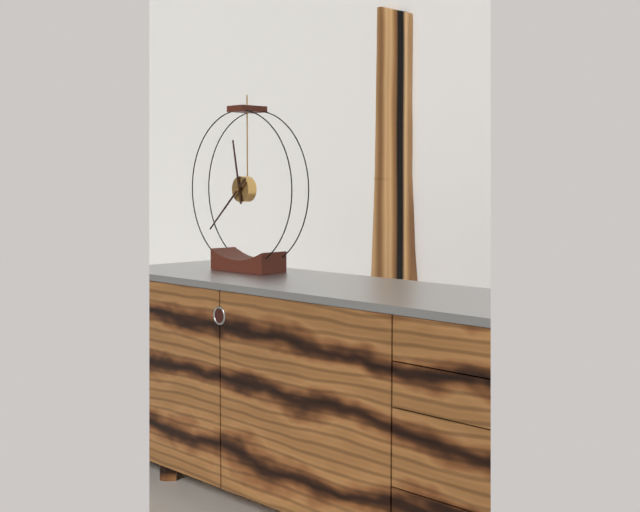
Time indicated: 11:38
